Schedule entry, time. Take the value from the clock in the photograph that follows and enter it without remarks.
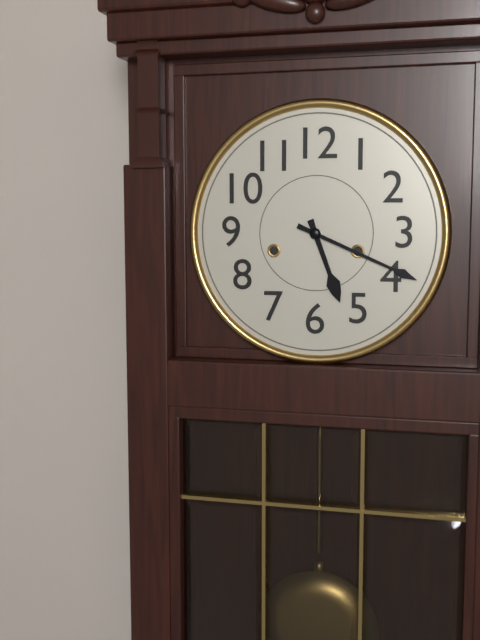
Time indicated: 5:19
